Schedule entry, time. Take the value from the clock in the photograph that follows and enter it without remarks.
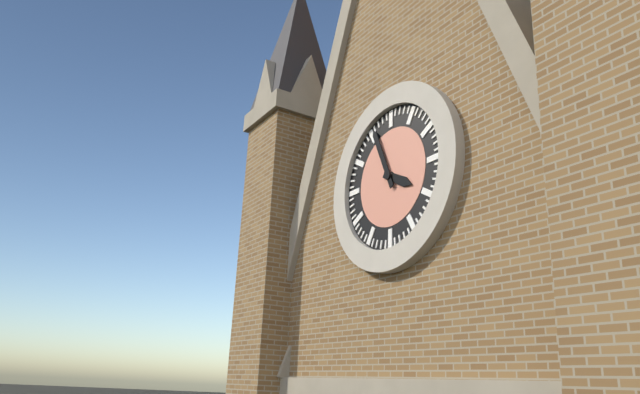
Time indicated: 3:56
